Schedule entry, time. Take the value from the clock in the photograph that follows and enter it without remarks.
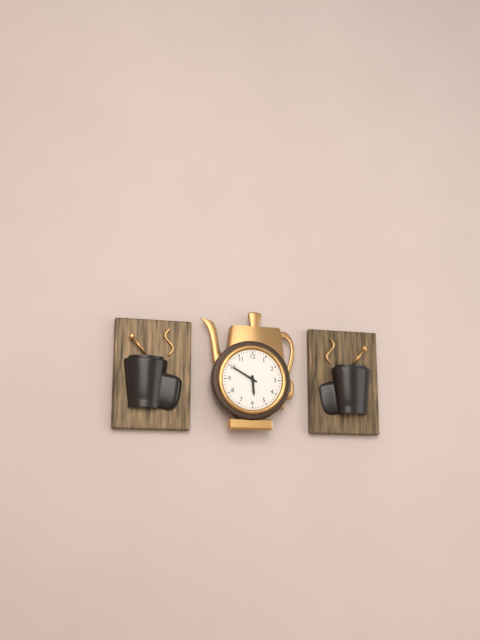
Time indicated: 5:50
